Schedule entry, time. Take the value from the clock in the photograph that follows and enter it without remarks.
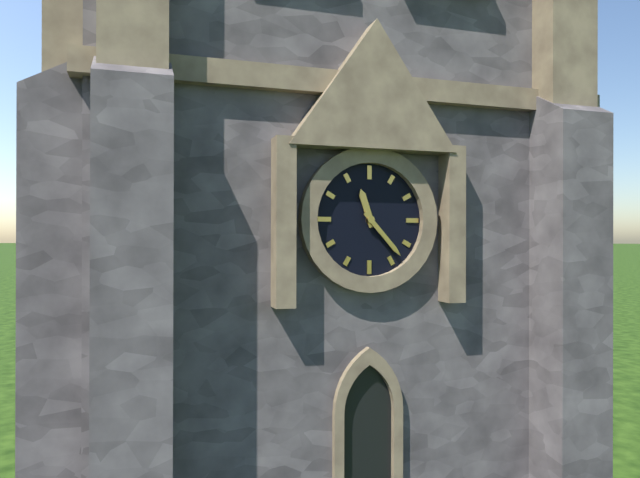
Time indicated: 11:23
